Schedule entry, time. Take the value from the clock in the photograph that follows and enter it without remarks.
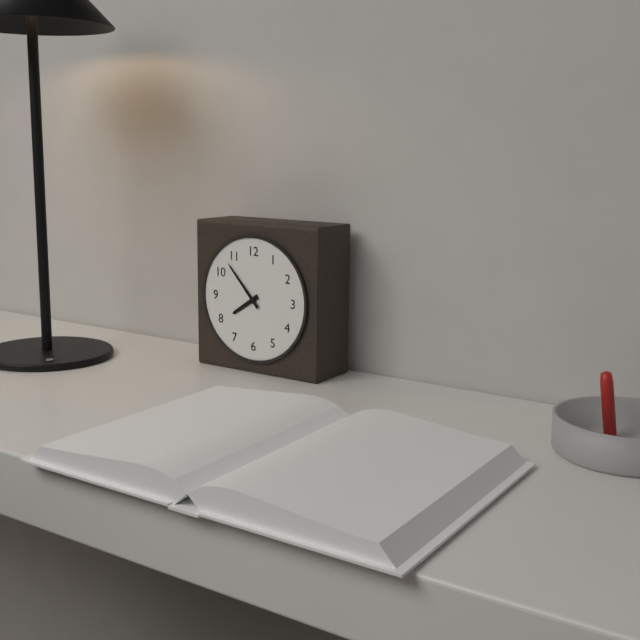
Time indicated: 7:53
